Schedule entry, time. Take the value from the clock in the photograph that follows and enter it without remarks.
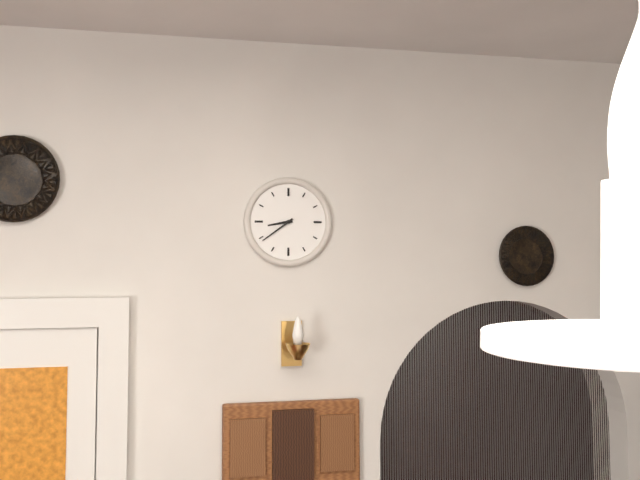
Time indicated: 8:39
